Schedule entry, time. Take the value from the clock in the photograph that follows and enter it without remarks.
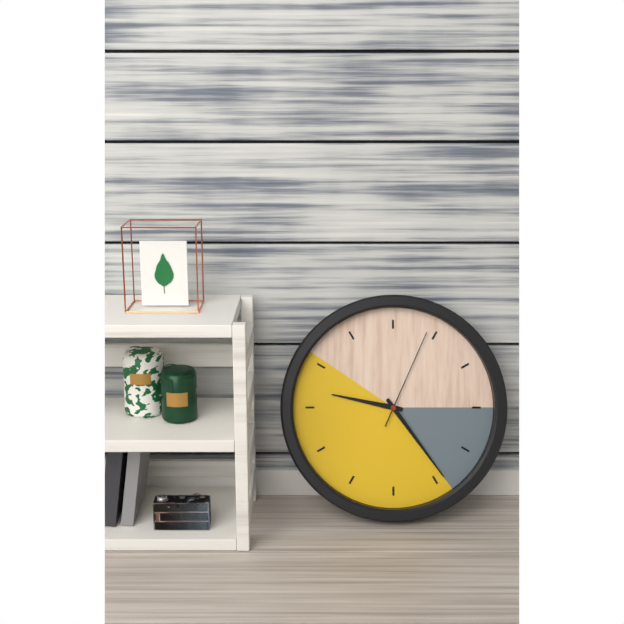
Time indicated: 9:24:04
